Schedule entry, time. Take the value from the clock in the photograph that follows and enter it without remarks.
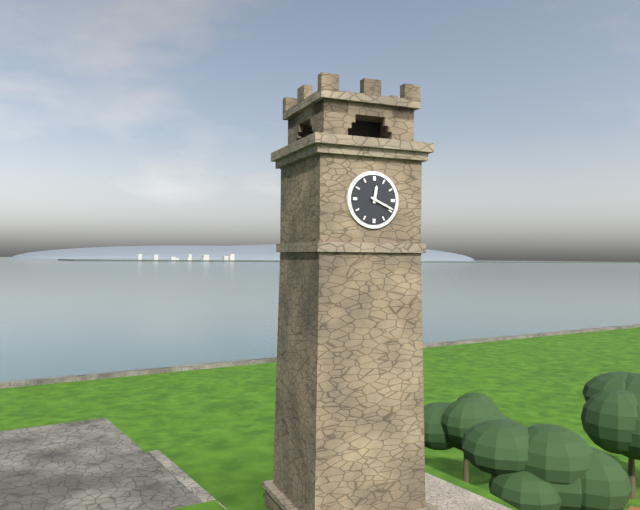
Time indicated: 12:19
